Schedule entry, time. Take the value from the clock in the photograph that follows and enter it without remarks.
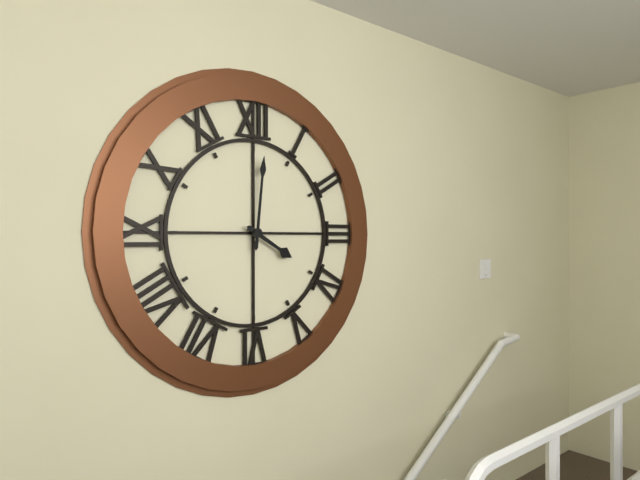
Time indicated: 4:01
